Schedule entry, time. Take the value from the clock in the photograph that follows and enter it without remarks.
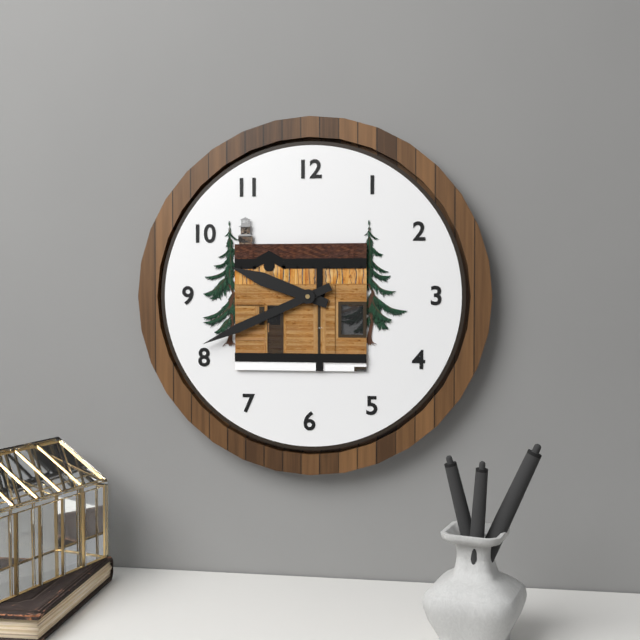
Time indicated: 9:41
